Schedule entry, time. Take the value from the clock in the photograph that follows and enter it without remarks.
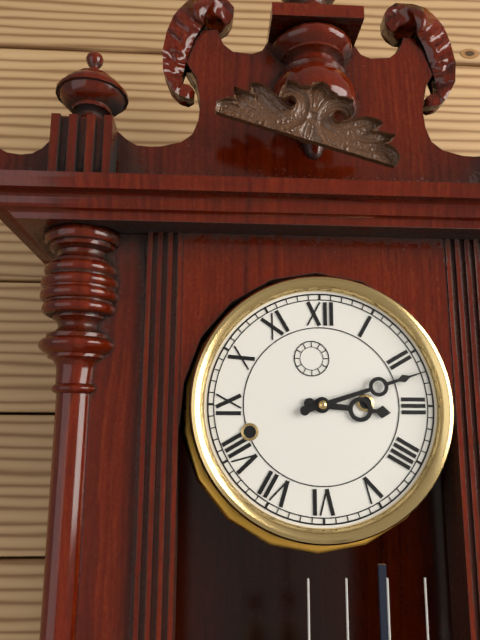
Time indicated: 3:12
